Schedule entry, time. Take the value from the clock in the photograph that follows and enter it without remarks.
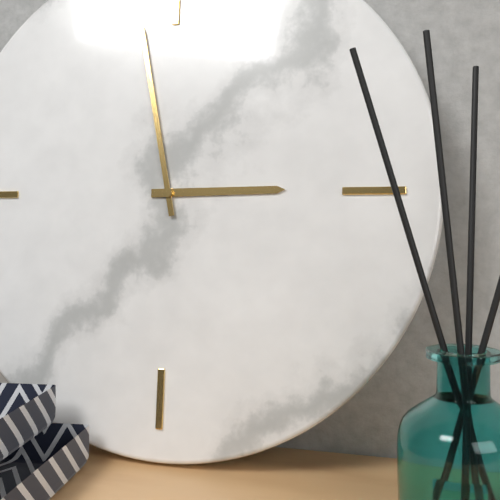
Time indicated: 2:58
